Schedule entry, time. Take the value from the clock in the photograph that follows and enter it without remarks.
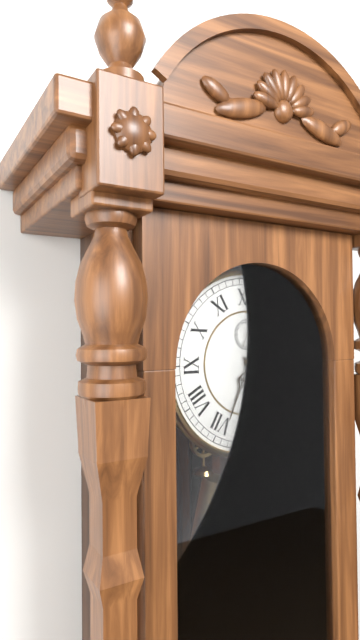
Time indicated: 4:34
